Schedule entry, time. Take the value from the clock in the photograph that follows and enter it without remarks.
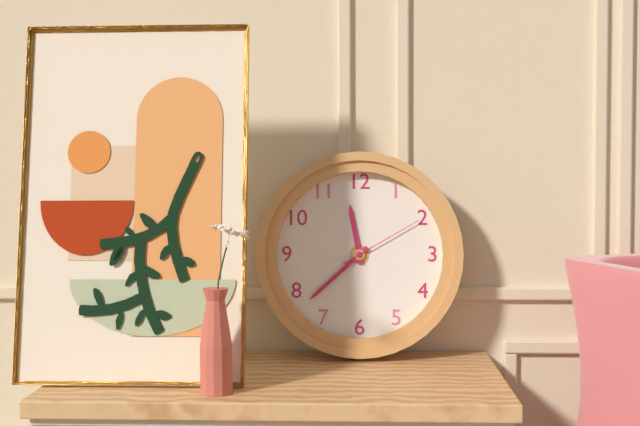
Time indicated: 11:38:10
